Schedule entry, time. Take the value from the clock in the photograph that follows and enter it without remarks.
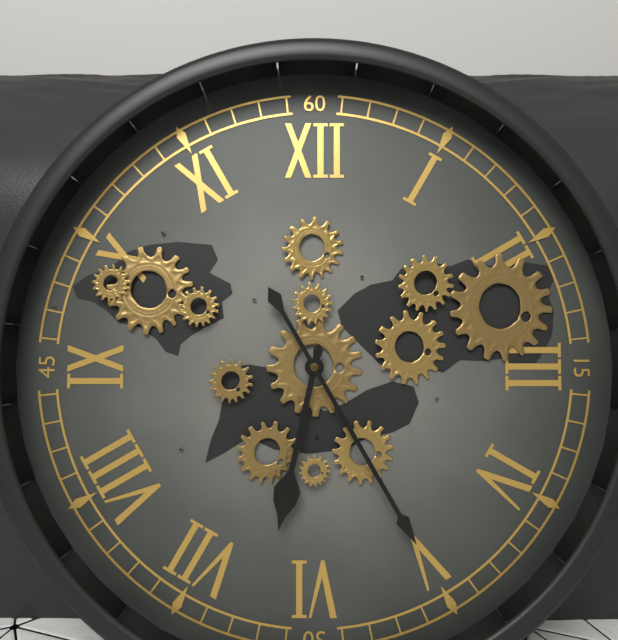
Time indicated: 6:25
